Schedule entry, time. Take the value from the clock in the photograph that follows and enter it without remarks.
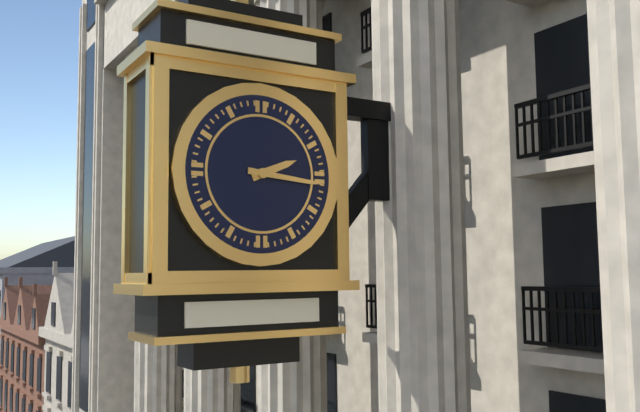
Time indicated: 2:16
